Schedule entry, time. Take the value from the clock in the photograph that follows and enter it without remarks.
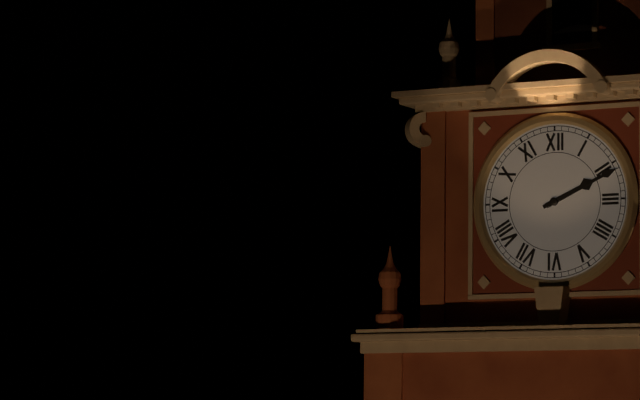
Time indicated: 2:11
